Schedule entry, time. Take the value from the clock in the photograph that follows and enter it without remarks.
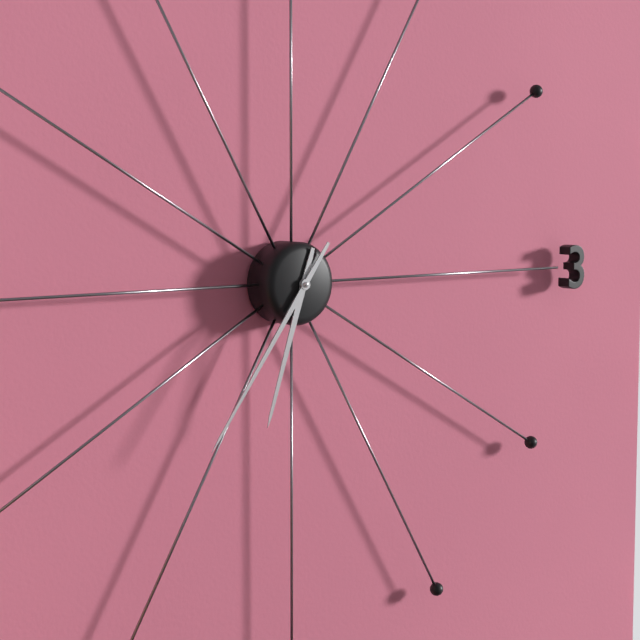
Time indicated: 6:36
